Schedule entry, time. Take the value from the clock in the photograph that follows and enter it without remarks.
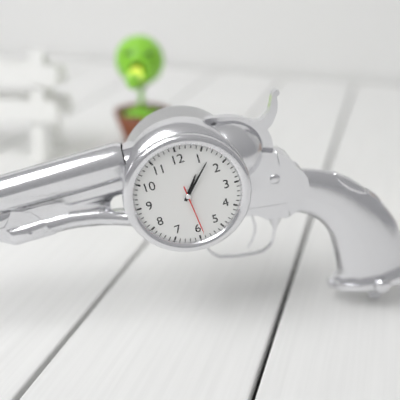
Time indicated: 1:07:29
